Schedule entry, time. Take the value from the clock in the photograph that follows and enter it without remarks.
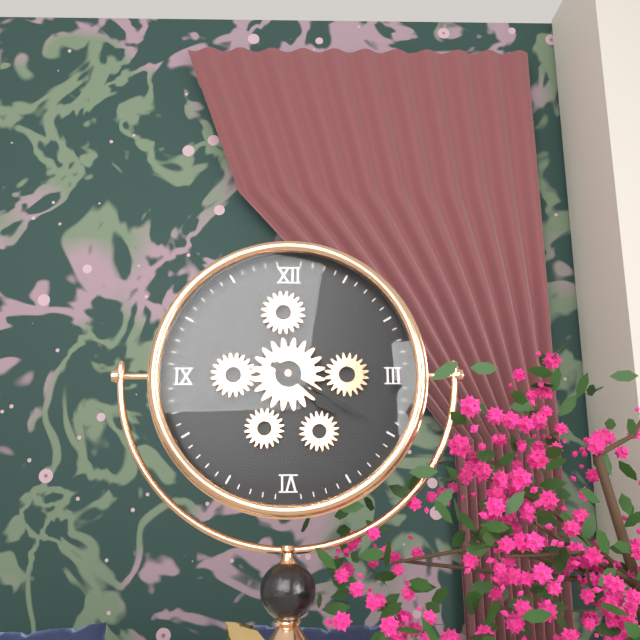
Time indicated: 4:20
